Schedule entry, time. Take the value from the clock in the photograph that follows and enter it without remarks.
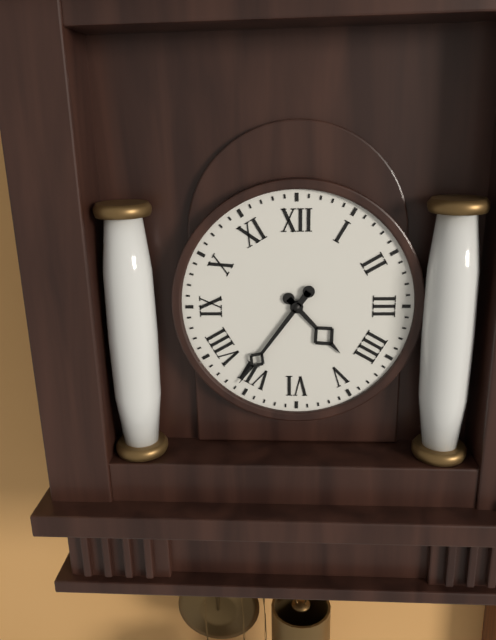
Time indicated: 4:36
